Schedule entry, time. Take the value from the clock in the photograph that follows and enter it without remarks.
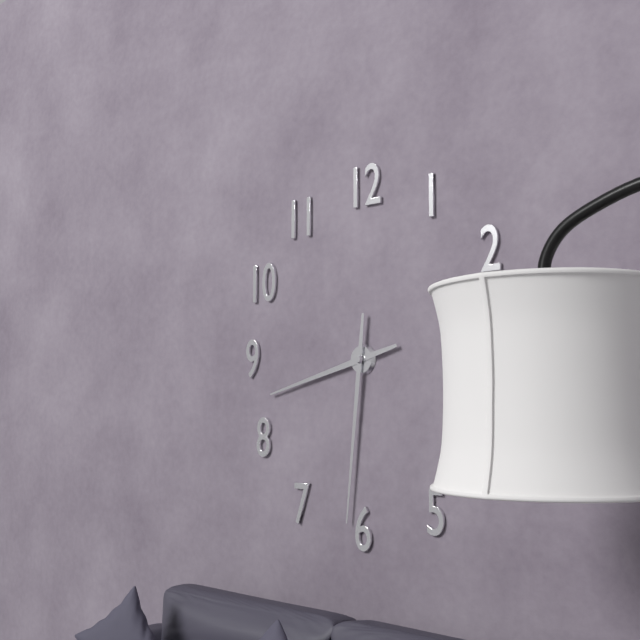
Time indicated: 8:31
